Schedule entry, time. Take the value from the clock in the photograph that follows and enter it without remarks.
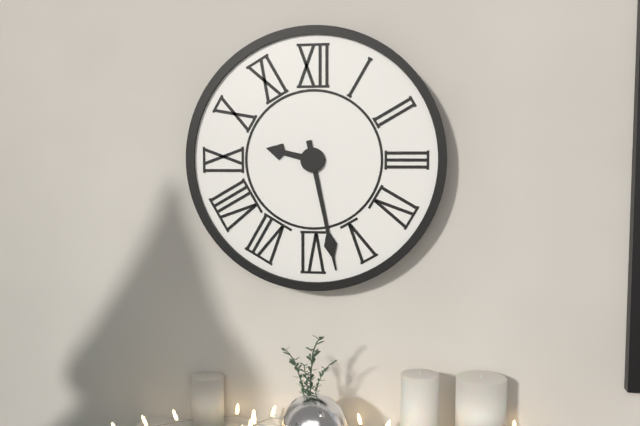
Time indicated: 9:28
